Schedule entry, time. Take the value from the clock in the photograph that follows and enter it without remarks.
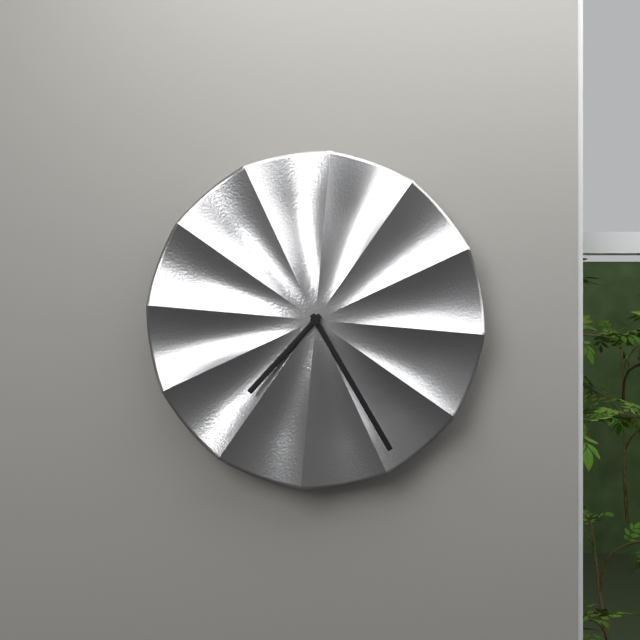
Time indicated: 7:25
